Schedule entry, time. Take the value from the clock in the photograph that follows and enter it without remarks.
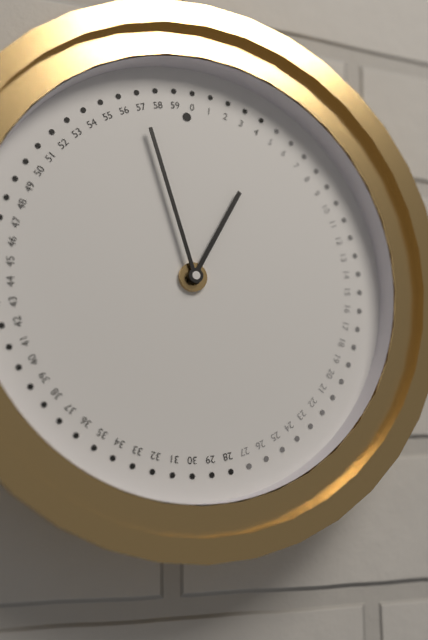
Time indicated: 12:57
